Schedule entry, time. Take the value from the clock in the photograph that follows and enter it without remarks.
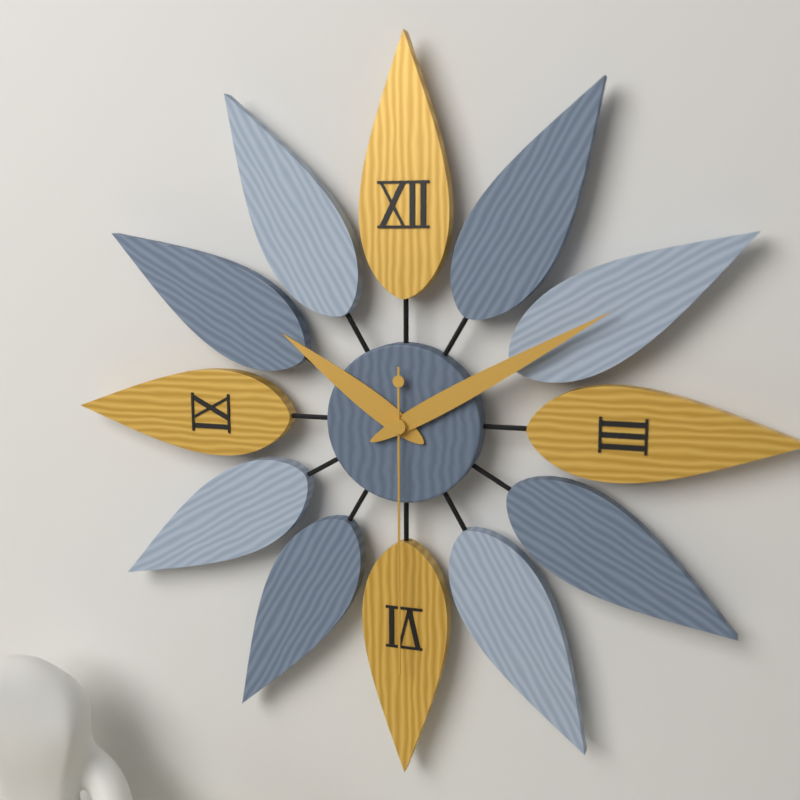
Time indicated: 10:10:30
